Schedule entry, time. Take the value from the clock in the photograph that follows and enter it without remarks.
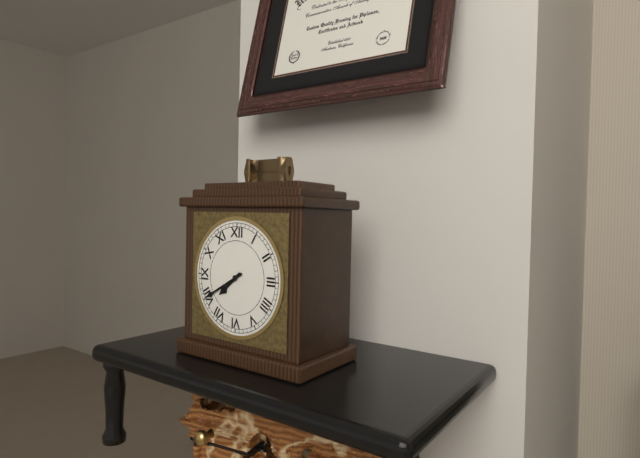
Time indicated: 7:40
